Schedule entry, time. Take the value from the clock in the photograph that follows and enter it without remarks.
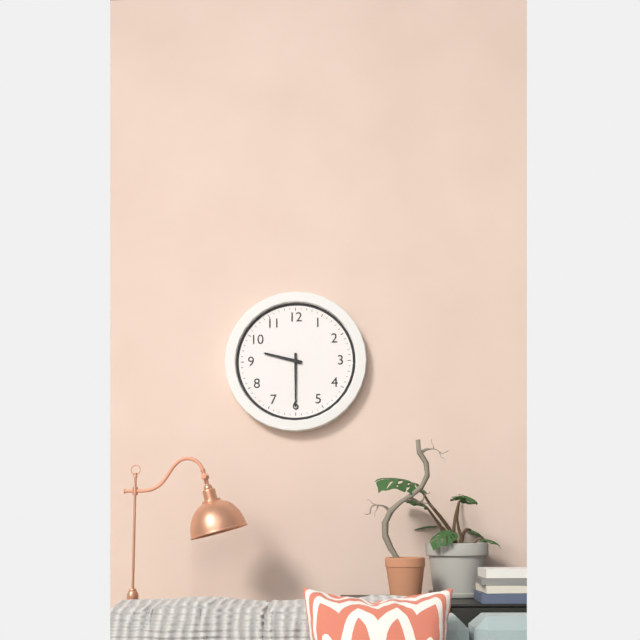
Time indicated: 9:30
